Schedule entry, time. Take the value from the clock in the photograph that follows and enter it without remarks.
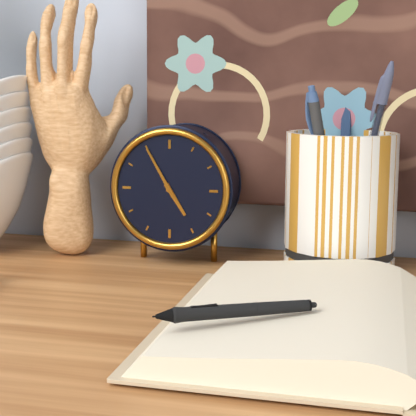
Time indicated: 4:55
